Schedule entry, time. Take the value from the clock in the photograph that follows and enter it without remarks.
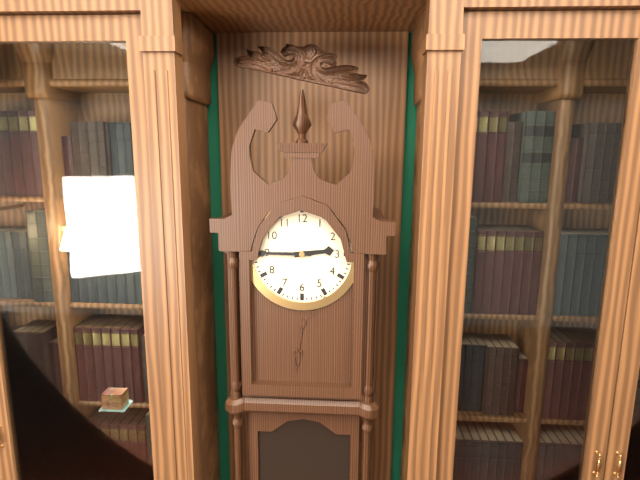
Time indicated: 2:45
